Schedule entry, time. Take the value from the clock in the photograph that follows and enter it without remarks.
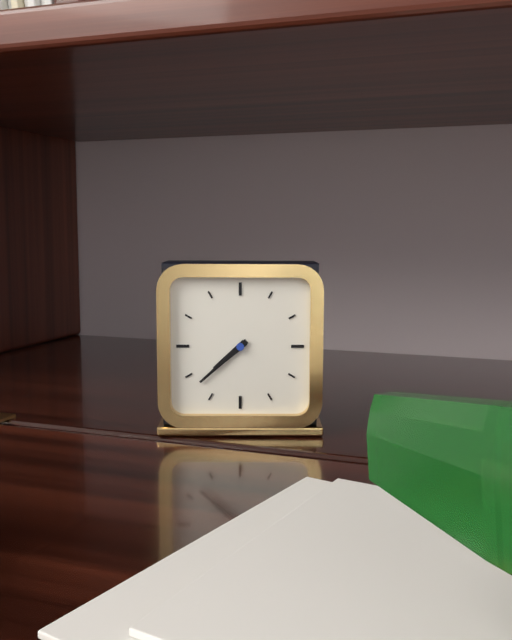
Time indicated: 7:38
